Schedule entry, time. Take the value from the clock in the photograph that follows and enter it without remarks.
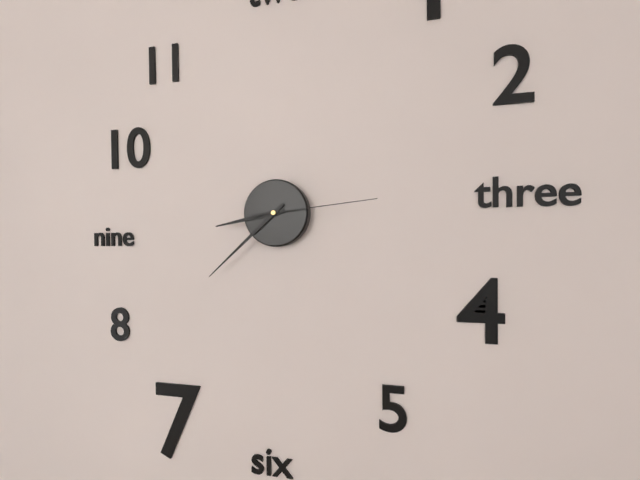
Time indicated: 8:38:14
